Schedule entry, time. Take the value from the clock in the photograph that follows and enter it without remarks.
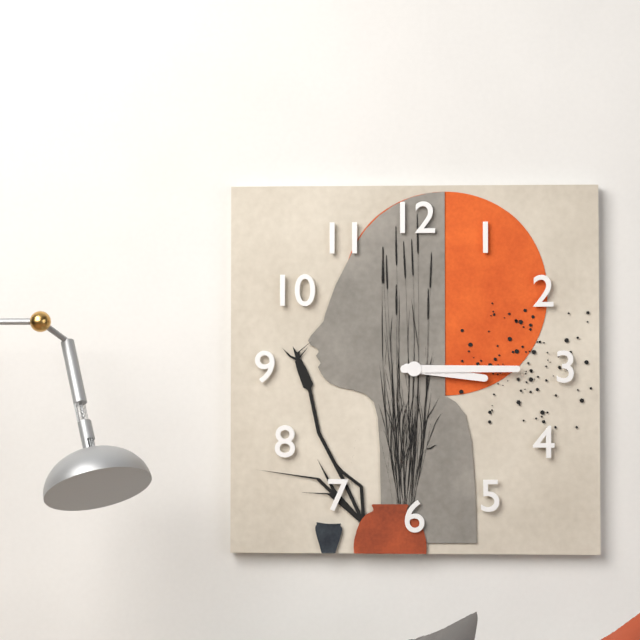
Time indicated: 3:15
